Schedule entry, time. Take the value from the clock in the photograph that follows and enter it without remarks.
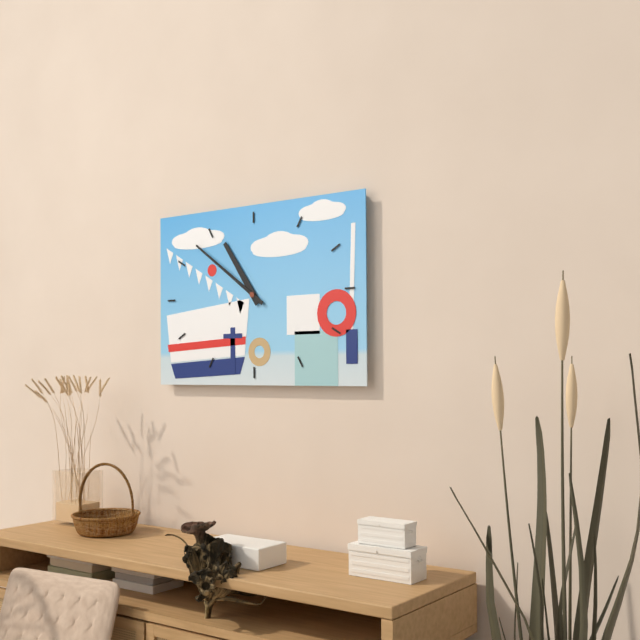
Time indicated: 10:51
